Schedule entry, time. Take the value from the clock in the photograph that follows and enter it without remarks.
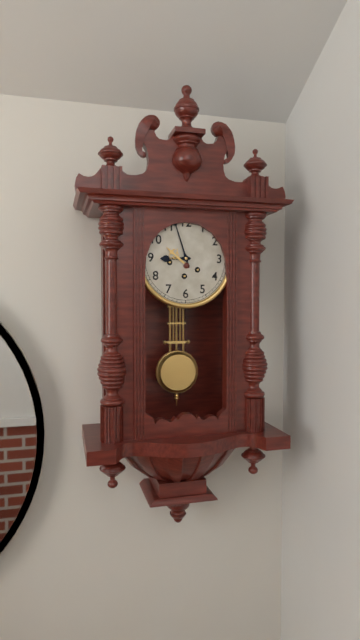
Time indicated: 8:57
